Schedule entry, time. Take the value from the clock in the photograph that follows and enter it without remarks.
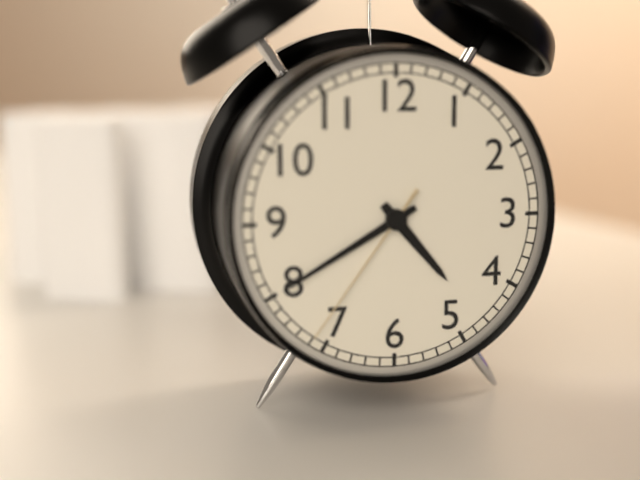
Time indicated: 4:40:36
